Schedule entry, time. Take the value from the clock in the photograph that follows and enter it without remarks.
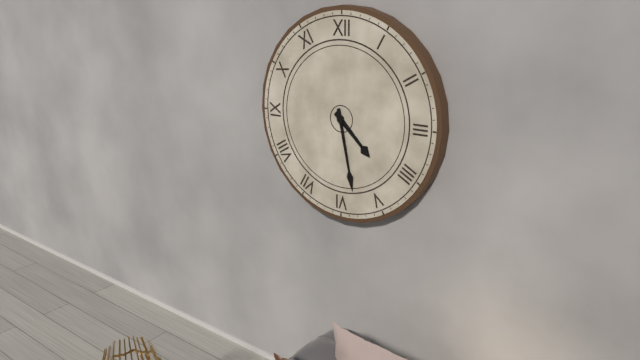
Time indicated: 4:28
